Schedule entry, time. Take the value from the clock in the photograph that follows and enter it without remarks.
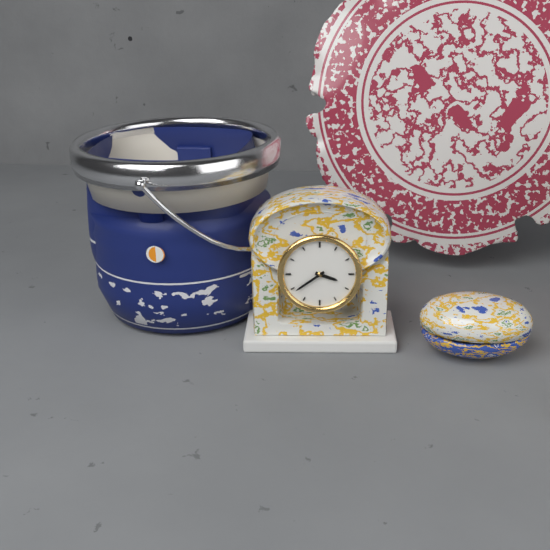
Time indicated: 3:39
